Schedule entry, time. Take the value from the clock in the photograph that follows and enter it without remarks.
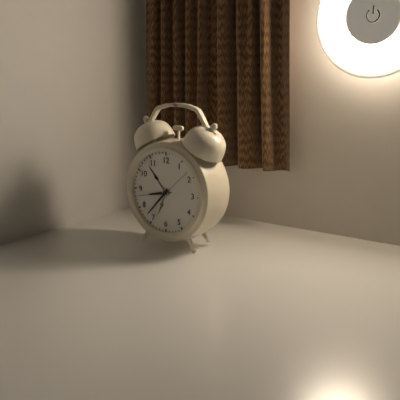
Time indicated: 8:37
